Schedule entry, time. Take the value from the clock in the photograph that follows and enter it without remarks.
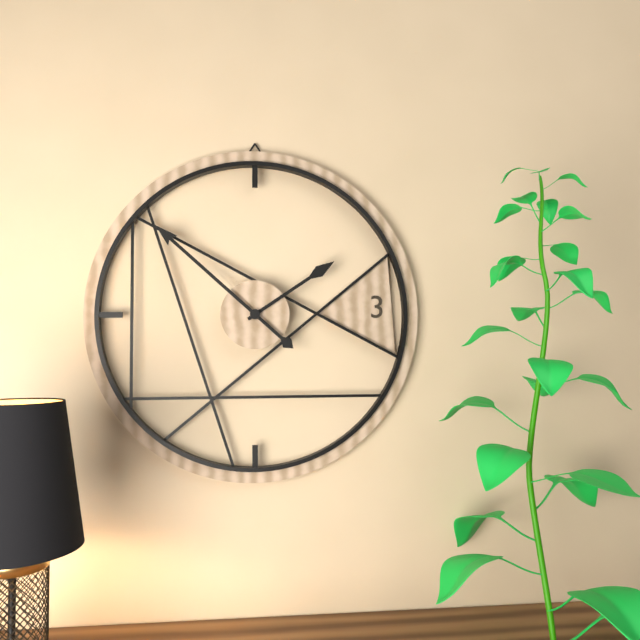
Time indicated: 1:52
